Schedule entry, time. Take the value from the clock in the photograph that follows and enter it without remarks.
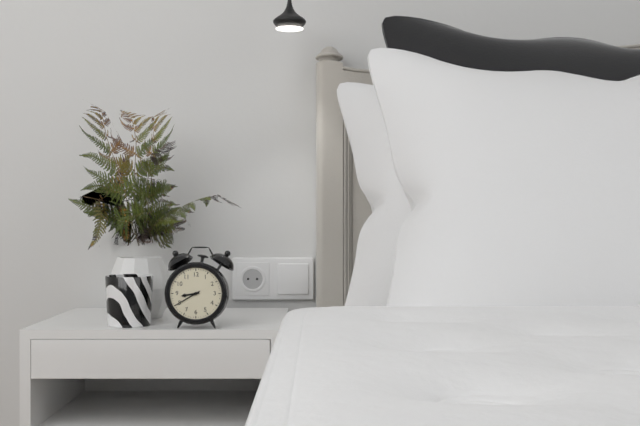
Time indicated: 8:40
